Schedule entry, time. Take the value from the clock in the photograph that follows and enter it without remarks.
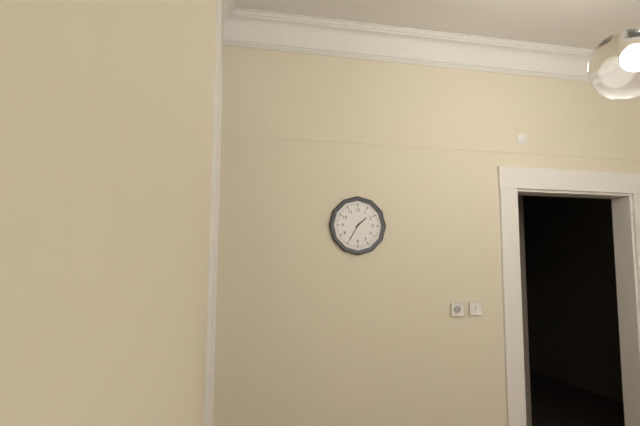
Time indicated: 1:35
